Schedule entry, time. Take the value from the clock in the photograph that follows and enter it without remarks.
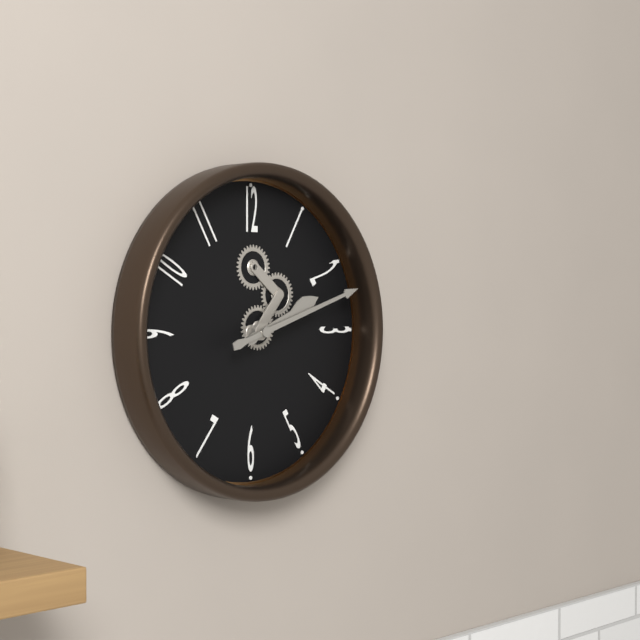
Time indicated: 2:12
